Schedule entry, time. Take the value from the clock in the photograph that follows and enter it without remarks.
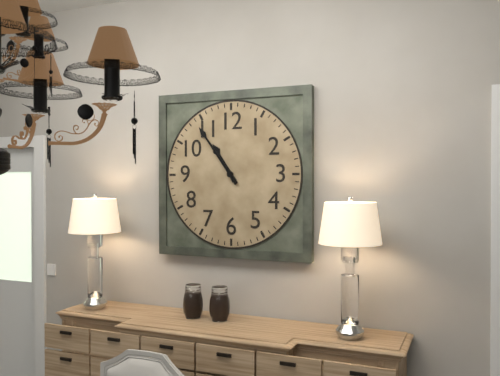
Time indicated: 10:54
